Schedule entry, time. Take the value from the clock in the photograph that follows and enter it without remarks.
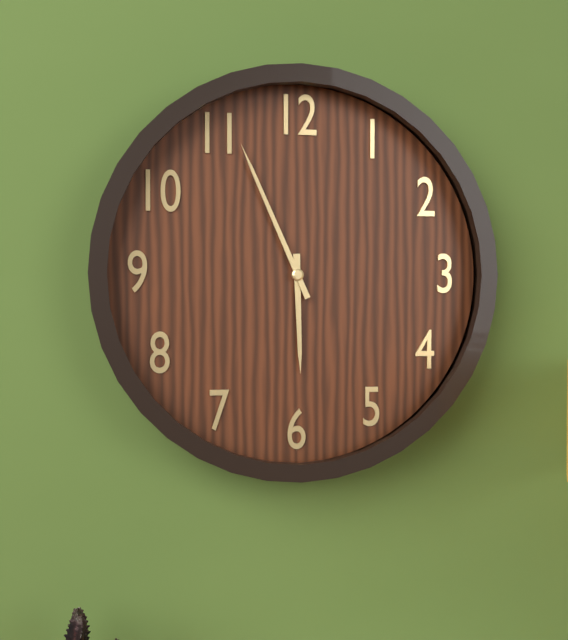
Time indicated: 5:56
